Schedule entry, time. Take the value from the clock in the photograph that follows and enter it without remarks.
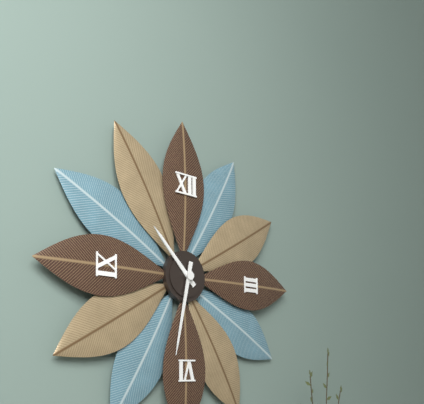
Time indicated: 10:32
